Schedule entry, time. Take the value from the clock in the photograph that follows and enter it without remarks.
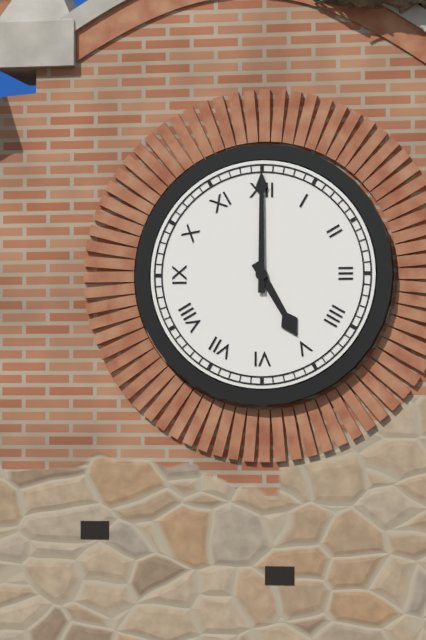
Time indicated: 5:00
